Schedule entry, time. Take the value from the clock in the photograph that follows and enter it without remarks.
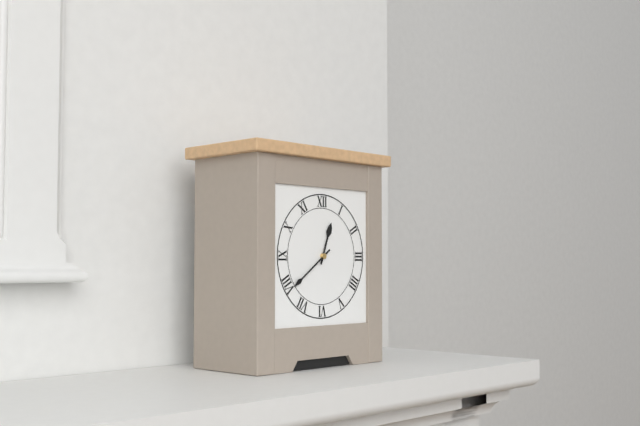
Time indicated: 12:39
